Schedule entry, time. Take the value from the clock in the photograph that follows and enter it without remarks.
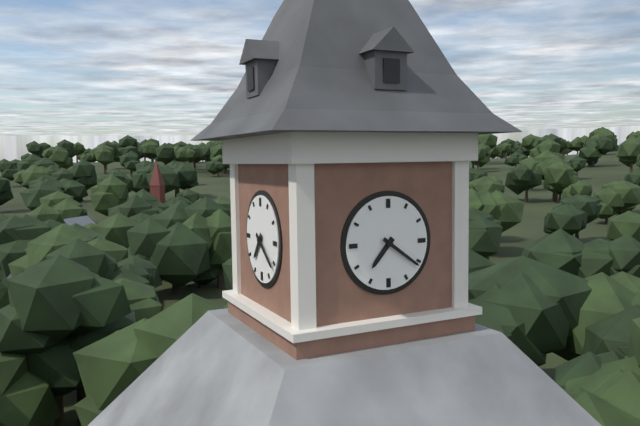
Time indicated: 7:21
